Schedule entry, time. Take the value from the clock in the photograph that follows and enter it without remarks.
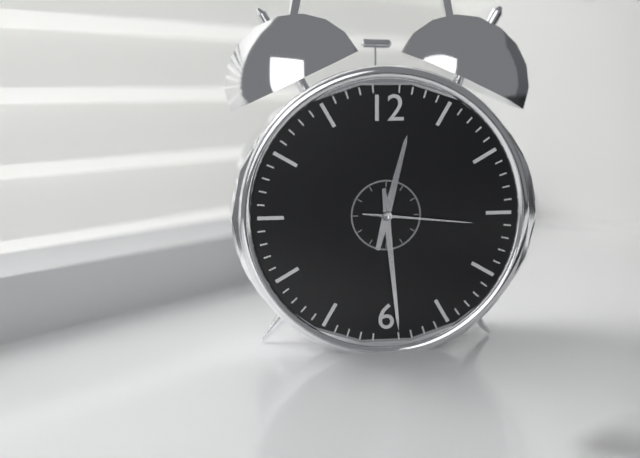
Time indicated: 12:29:16
